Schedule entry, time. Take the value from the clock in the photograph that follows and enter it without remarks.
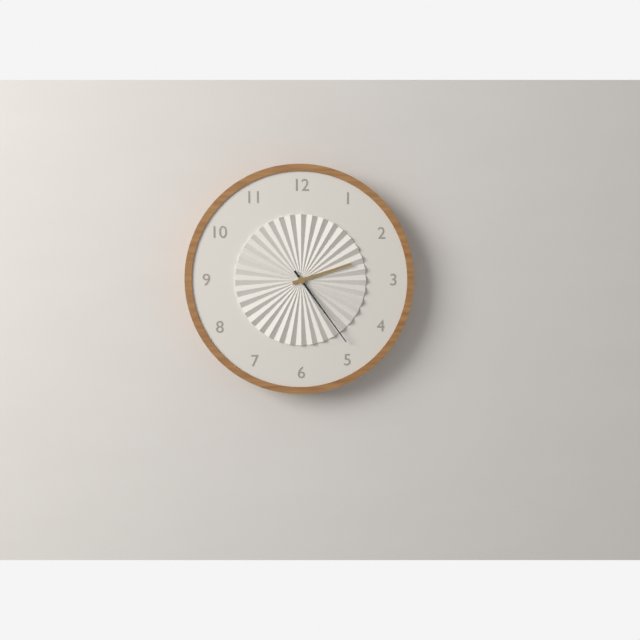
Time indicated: 2:24
